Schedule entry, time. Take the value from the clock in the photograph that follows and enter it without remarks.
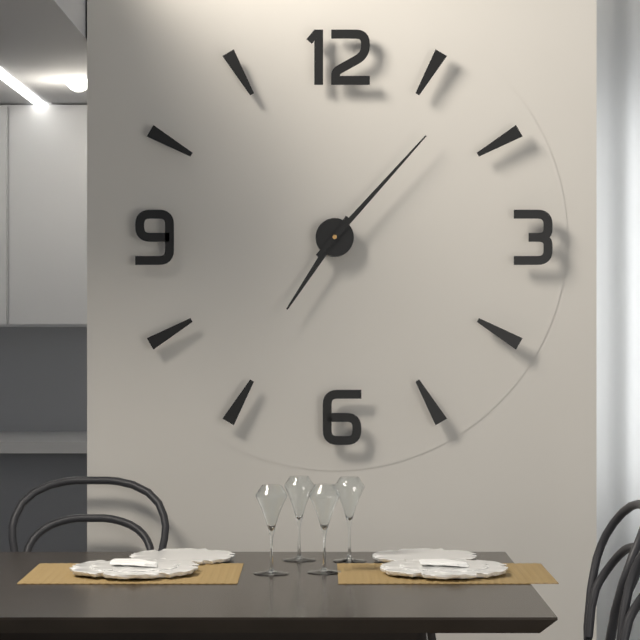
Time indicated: 7:07
